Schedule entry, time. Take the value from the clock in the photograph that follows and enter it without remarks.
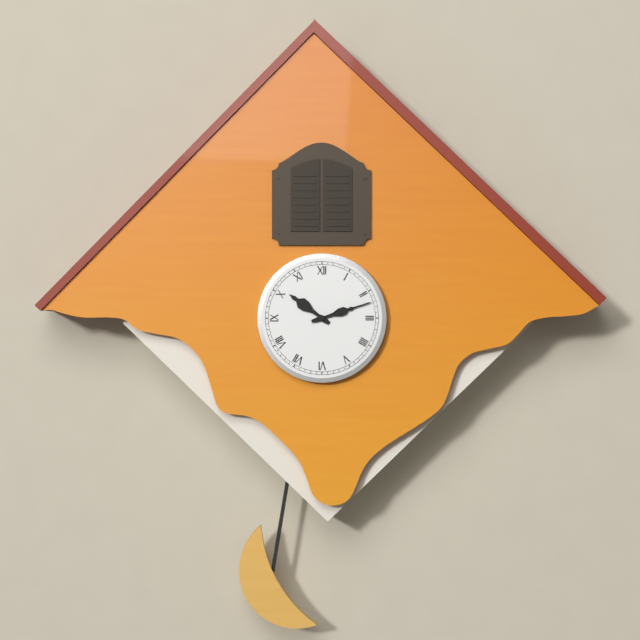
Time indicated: 10:12
